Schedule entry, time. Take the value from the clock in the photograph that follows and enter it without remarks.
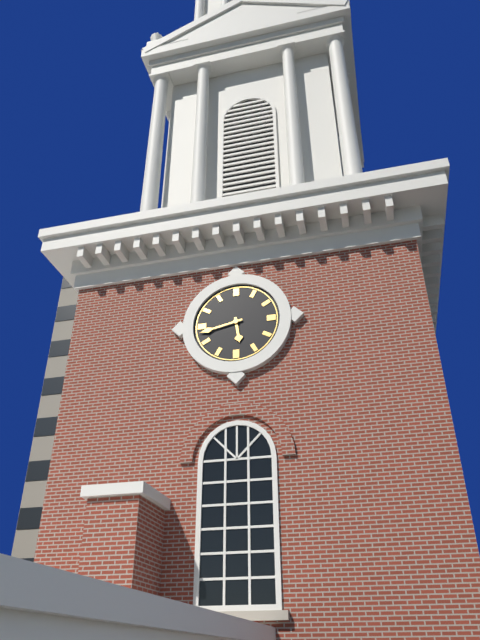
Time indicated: 5:43
